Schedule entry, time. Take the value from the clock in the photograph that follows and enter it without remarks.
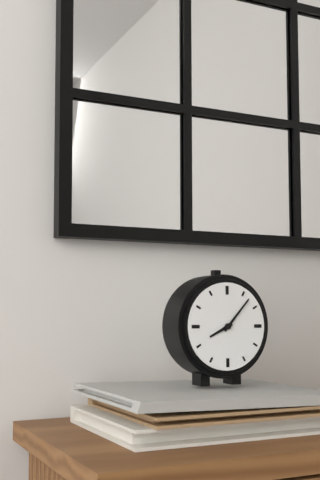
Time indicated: 8:07
